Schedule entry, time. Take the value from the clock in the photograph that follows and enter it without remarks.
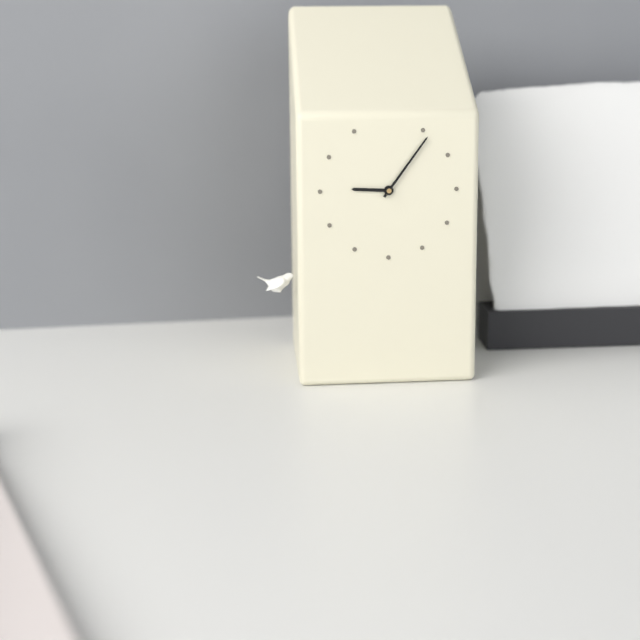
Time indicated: 9:06
